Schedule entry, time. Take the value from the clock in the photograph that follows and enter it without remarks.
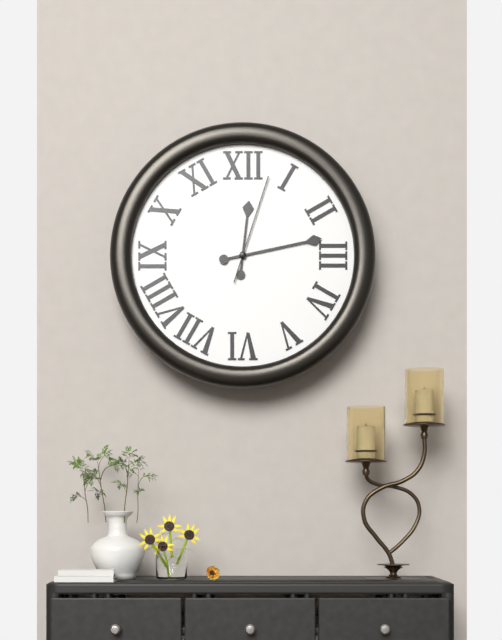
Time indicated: 12:13:03
